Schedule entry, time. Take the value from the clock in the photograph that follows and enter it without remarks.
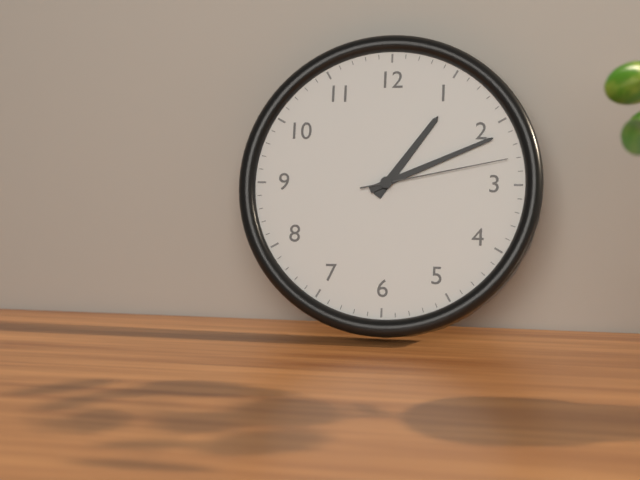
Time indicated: 1:11:13
